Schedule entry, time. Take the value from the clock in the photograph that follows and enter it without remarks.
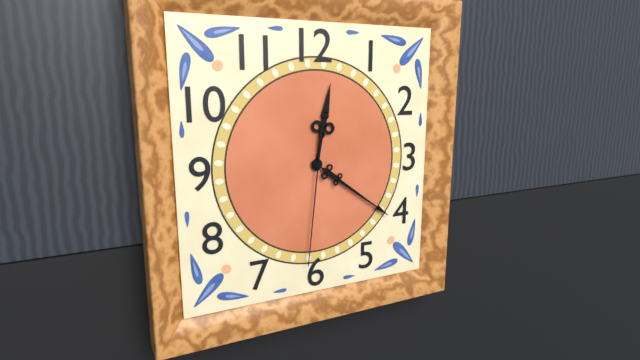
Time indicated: 12:21:31
